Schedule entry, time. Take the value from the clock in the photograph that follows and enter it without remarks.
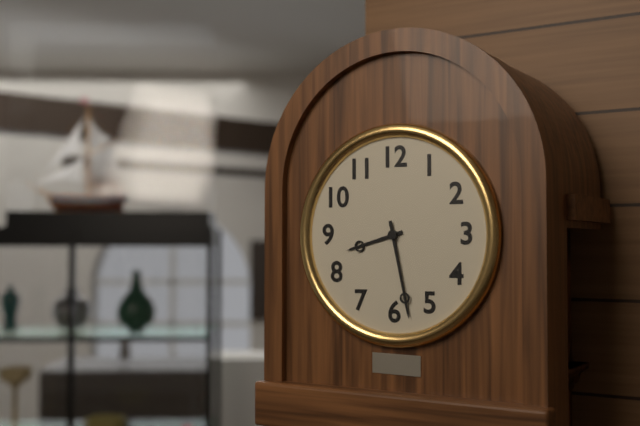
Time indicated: 8:28
